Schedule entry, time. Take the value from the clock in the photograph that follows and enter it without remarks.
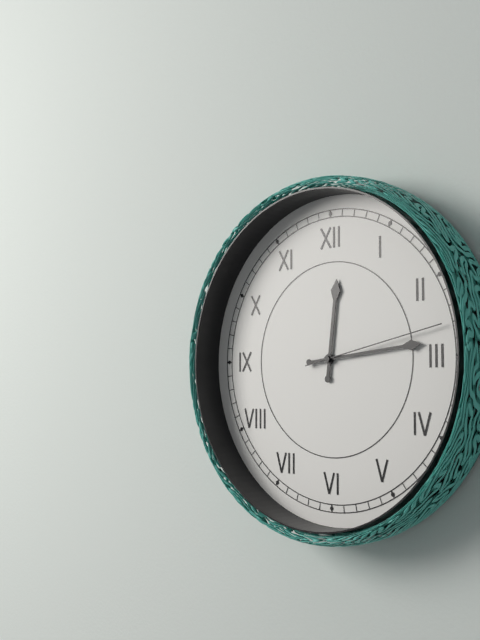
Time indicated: 12:14:13
